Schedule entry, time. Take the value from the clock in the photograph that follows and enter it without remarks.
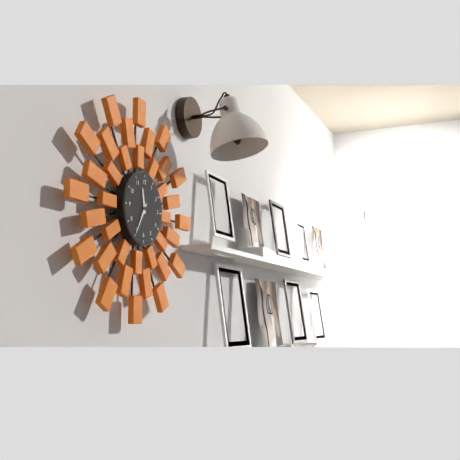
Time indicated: 11:35
